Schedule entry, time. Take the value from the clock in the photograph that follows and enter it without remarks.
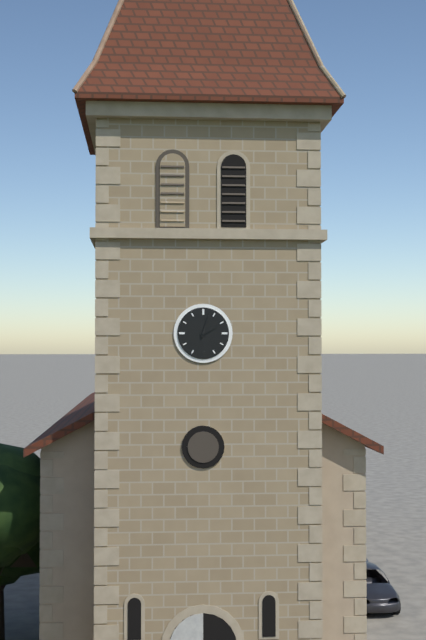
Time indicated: 2:03
